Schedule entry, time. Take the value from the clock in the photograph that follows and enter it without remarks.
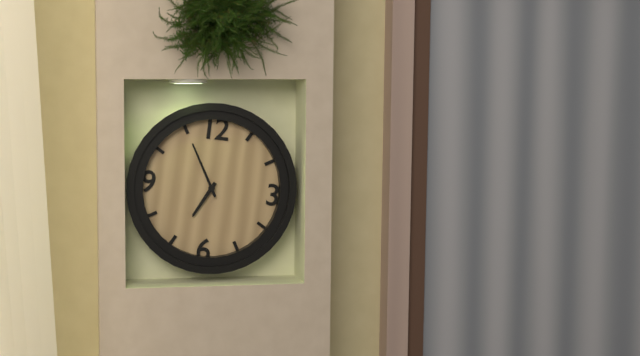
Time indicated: 6:55
